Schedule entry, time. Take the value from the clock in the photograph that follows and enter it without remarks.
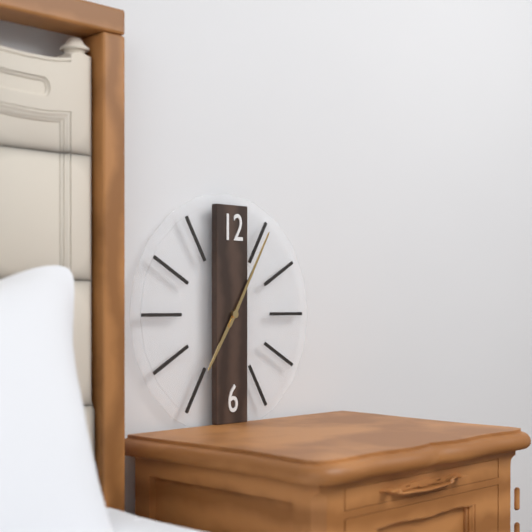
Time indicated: 7:05
